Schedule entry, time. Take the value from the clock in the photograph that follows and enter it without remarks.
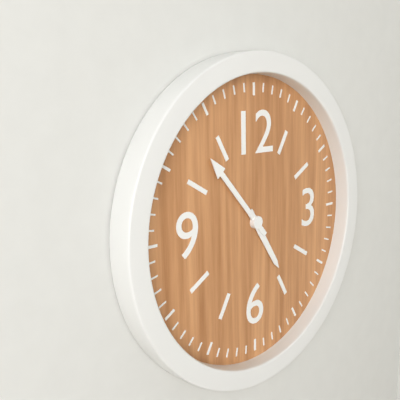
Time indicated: 4:53
